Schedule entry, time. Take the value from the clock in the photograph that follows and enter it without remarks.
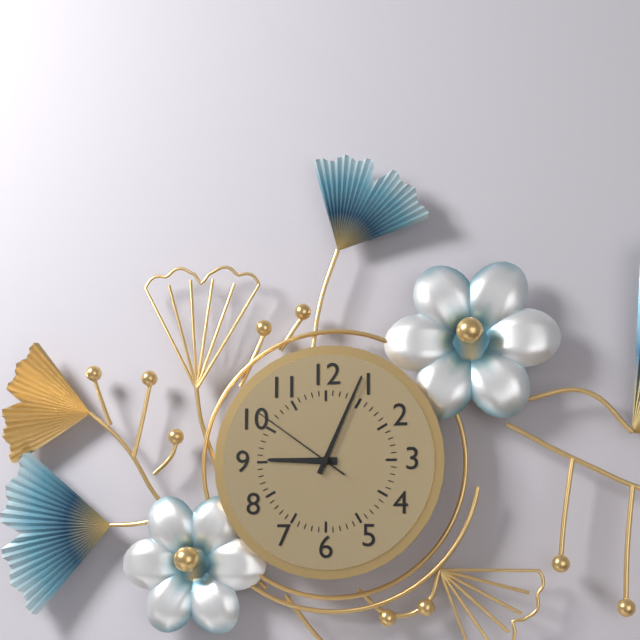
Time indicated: 9:04:51
